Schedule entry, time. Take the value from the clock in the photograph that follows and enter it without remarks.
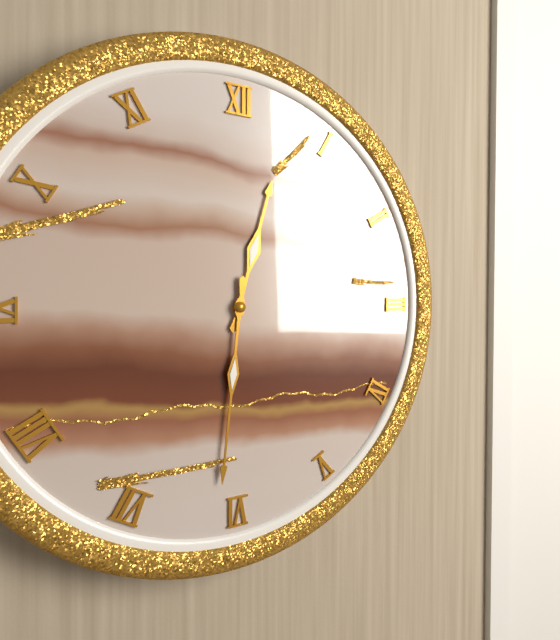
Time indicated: 12:31
